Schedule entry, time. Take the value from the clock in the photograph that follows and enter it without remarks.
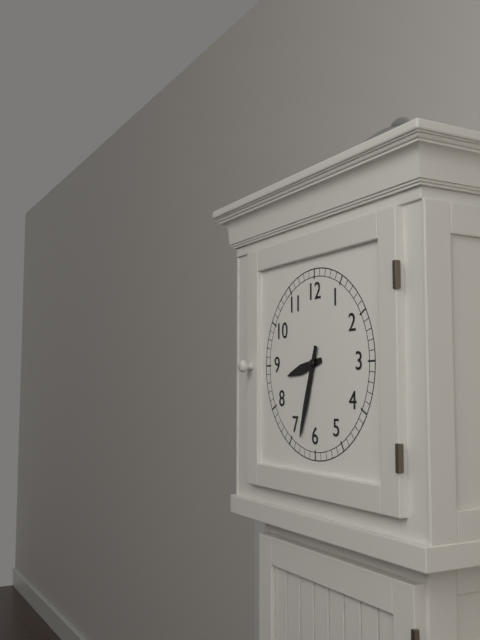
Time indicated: 8:33
